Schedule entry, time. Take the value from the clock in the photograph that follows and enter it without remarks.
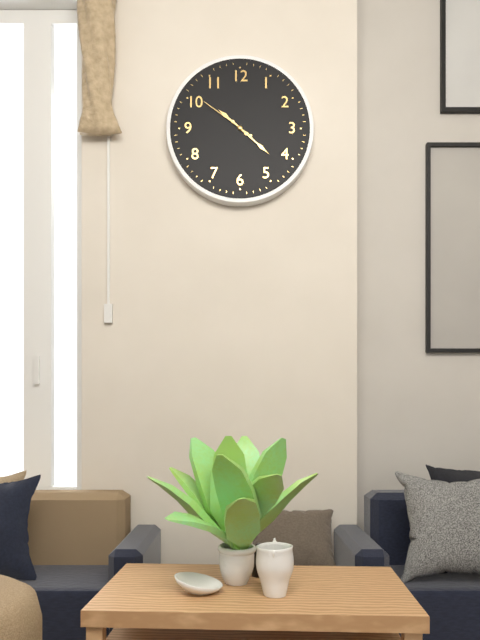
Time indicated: 10:22:51
